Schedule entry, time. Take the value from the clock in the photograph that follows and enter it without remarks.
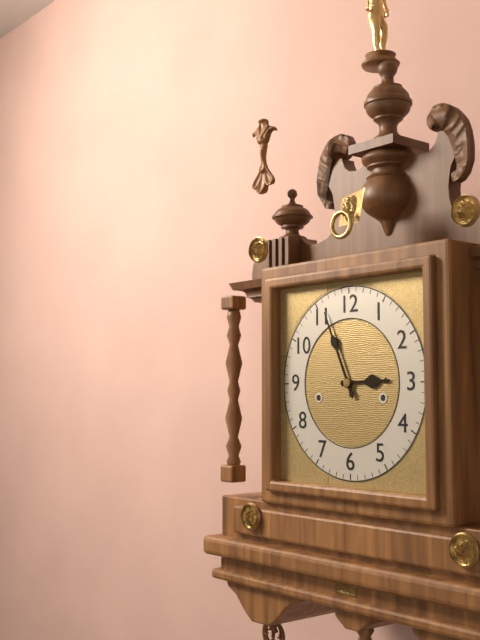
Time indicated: 2:56
